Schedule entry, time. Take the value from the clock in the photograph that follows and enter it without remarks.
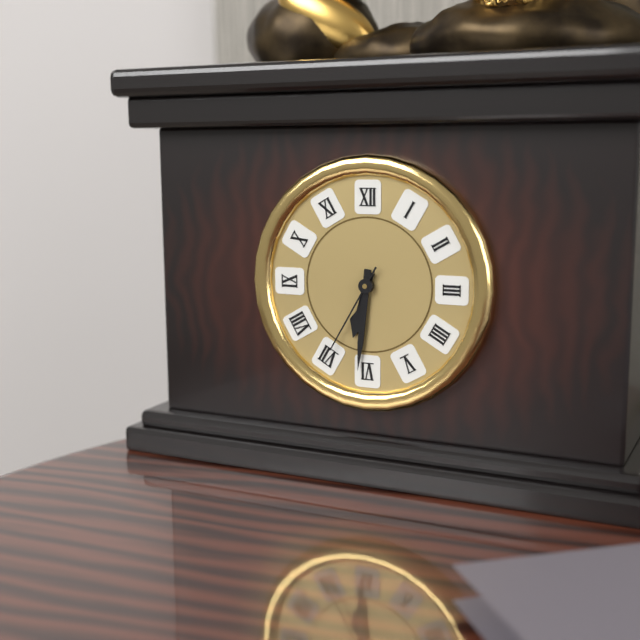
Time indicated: 6:31:35
